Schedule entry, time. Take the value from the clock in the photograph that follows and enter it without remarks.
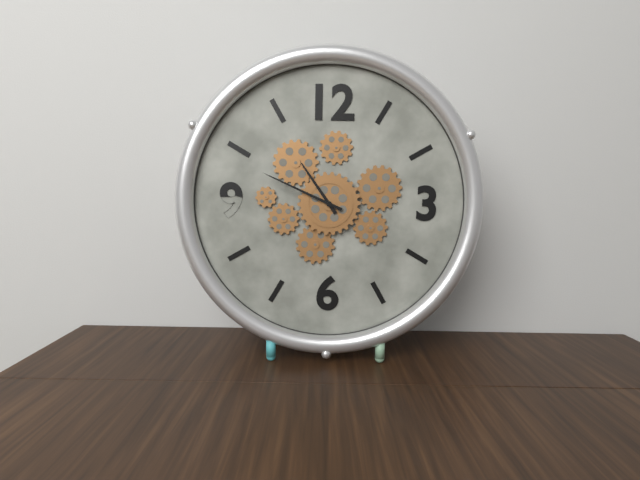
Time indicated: 10:49
